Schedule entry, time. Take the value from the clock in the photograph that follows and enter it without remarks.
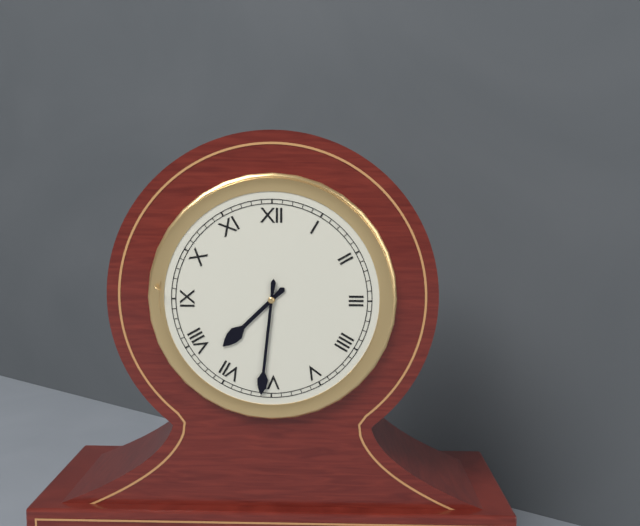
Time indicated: 7:31
